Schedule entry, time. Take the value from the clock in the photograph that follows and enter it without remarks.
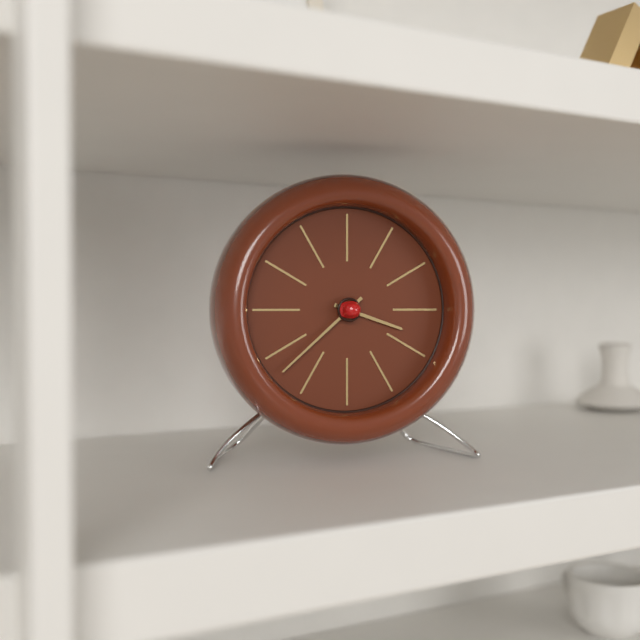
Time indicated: 3:38
